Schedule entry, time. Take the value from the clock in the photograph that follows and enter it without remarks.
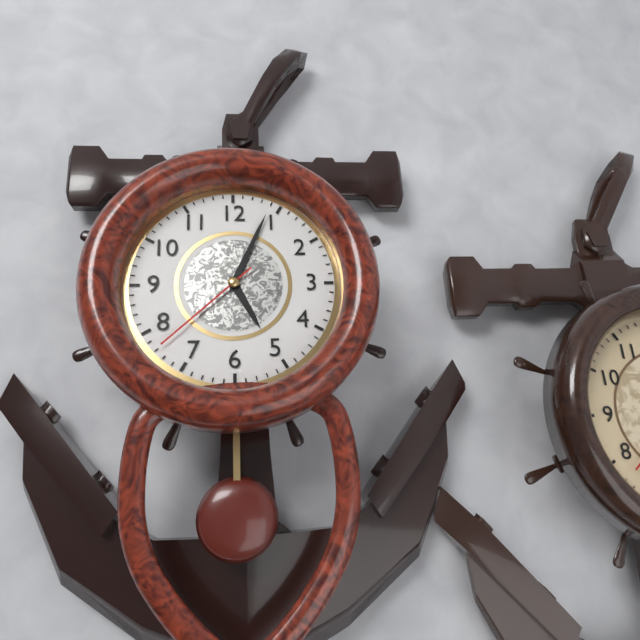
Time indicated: 5:04:38
